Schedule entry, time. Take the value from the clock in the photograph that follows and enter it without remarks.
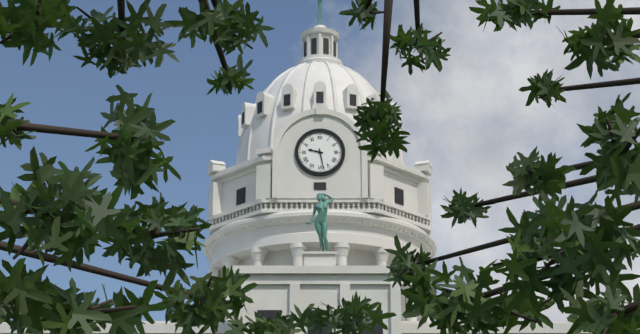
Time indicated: 9:28
